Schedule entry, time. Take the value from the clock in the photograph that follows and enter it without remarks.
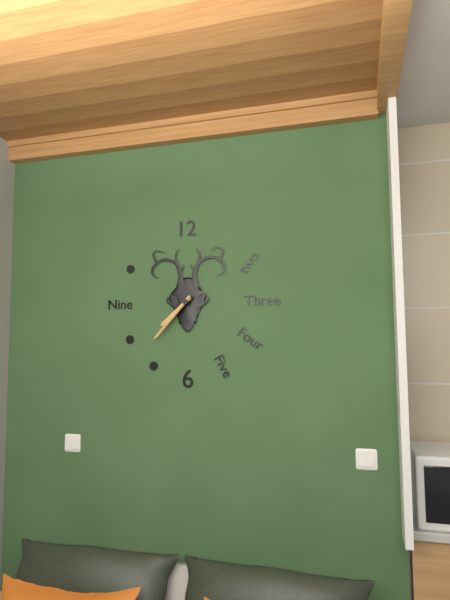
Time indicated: 7:37
